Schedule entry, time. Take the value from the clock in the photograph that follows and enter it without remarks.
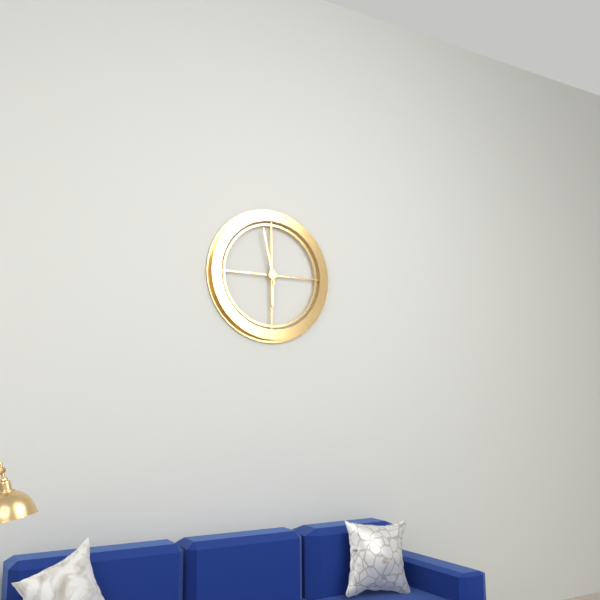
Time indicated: 5:58
